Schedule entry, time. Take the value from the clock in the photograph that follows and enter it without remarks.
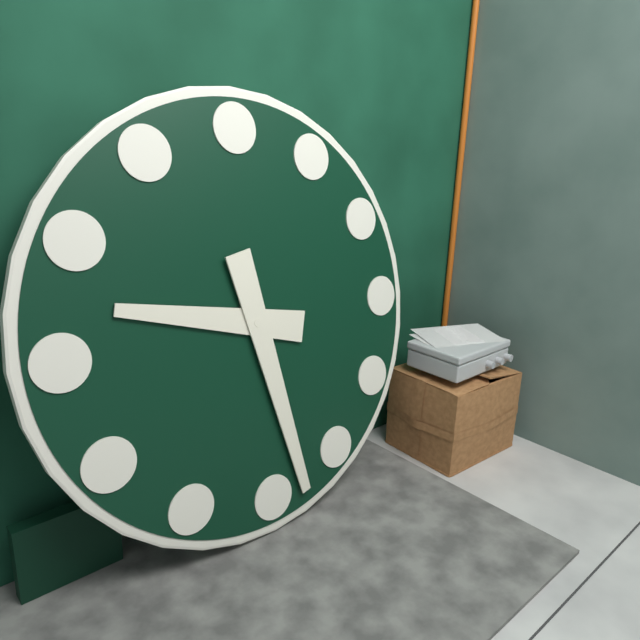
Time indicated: 9:28
